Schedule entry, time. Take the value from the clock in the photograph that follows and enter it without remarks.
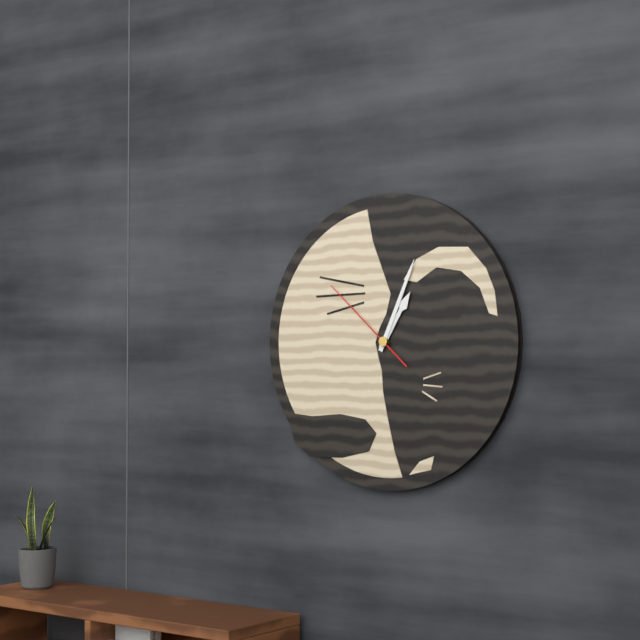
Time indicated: 1:04:52
